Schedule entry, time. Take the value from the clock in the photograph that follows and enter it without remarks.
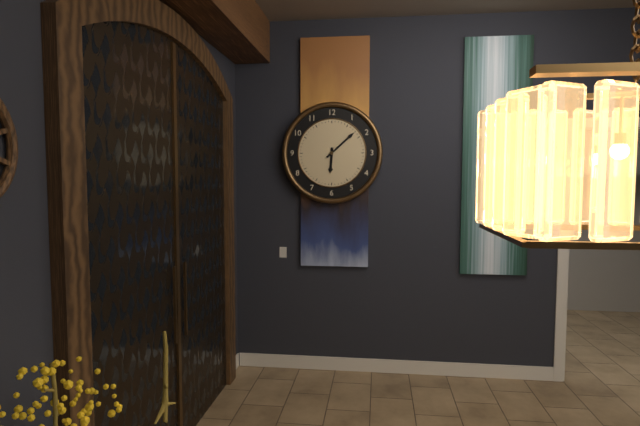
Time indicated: 6:08
